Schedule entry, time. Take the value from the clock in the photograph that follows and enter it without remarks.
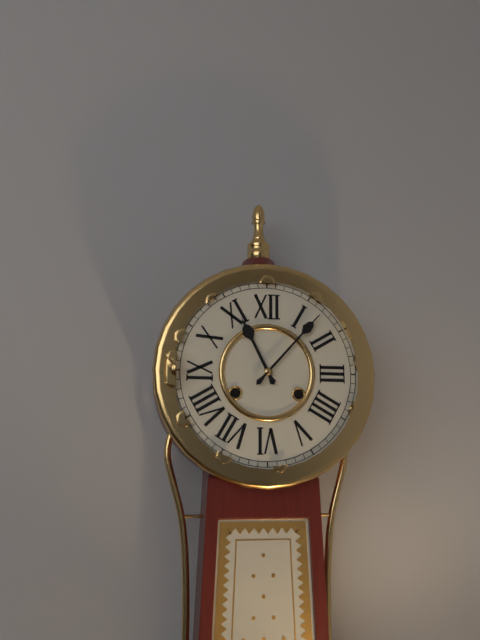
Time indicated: 11:07
